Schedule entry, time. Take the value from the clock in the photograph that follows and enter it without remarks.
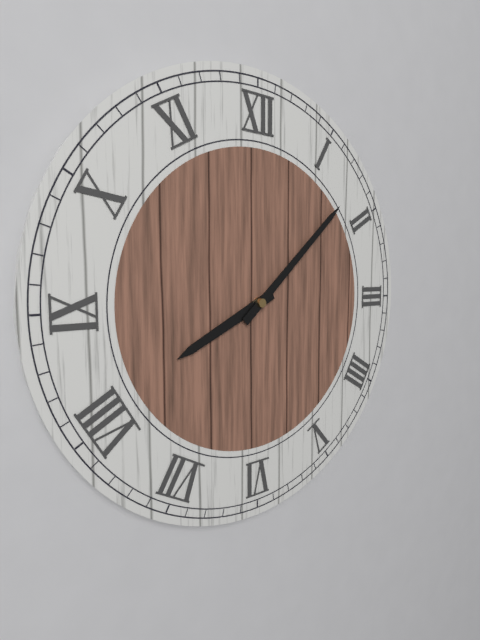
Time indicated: 8:08
